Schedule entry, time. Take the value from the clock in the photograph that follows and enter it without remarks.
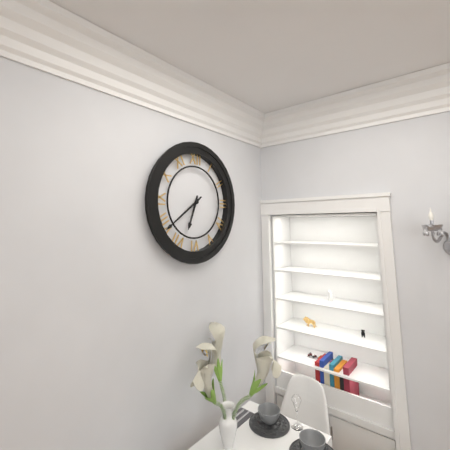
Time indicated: 6:39
